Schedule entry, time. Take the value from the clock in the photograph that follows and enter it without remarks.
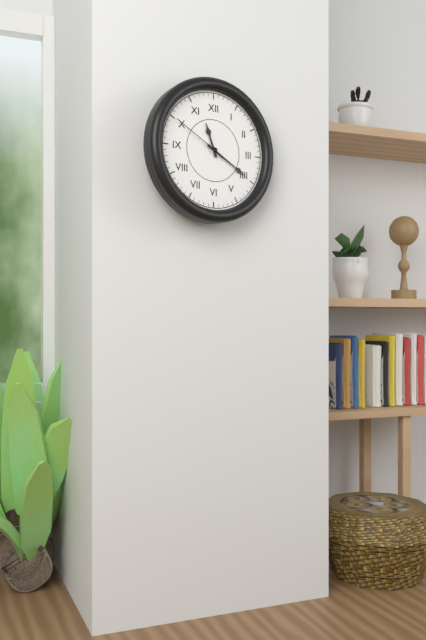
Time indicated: 11:20:50
